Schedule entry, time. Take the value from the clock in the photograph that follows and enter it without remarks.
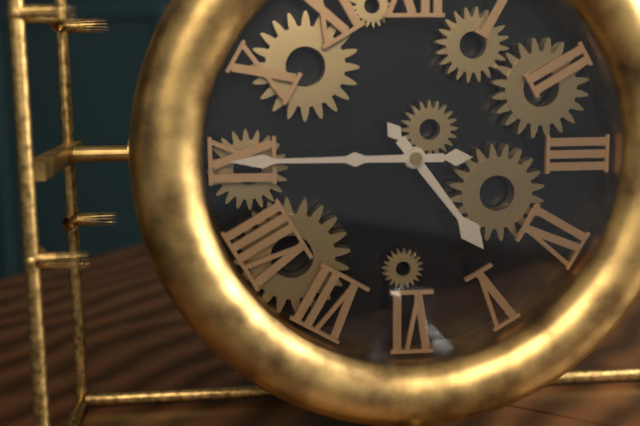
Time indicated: 4:45
